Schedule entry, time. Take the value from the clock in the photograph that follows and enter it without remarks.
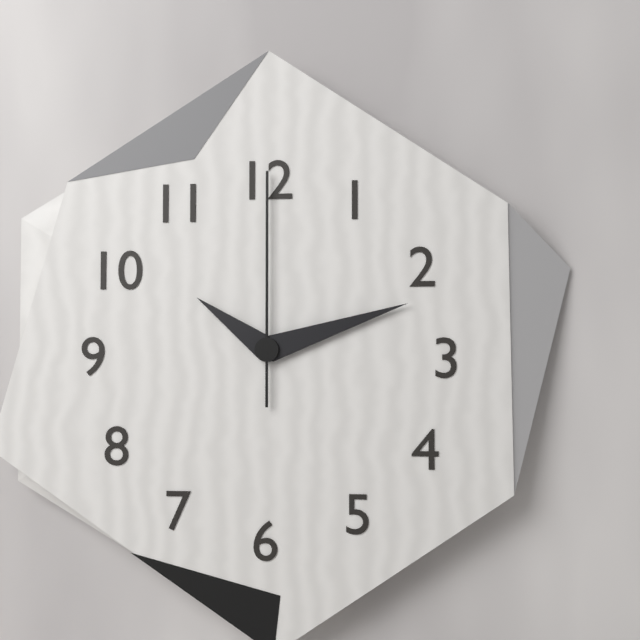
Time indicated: 10:12:00
